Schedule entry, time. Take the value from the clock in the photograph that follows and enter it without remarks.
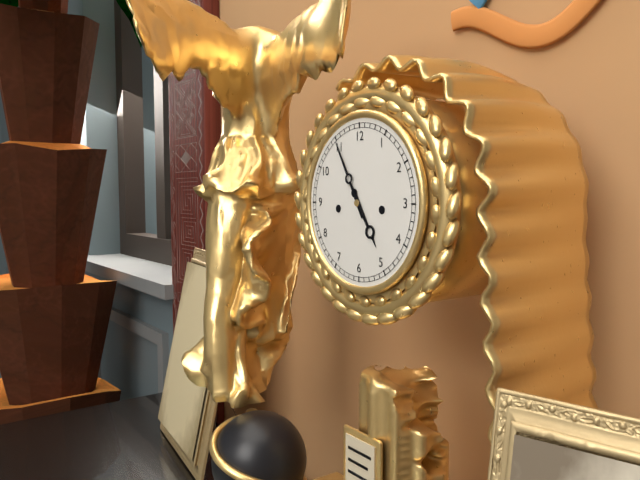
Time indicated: 4:55
